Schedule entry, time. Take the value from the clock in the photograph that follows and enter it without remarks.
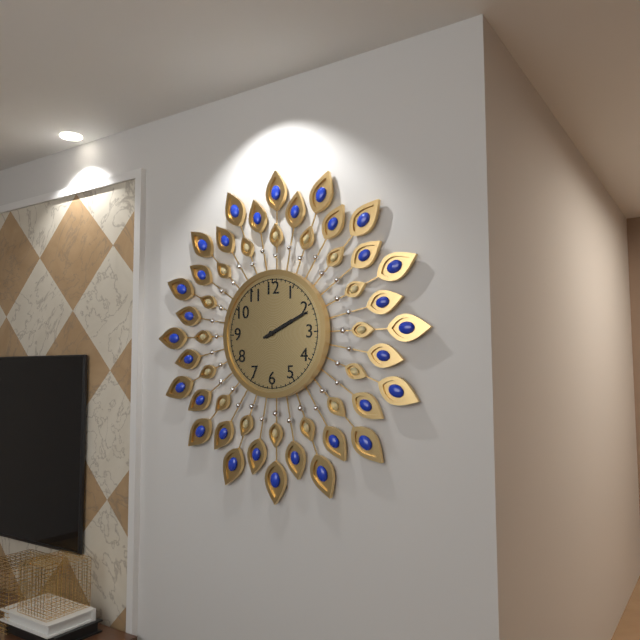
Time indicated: 2:11
